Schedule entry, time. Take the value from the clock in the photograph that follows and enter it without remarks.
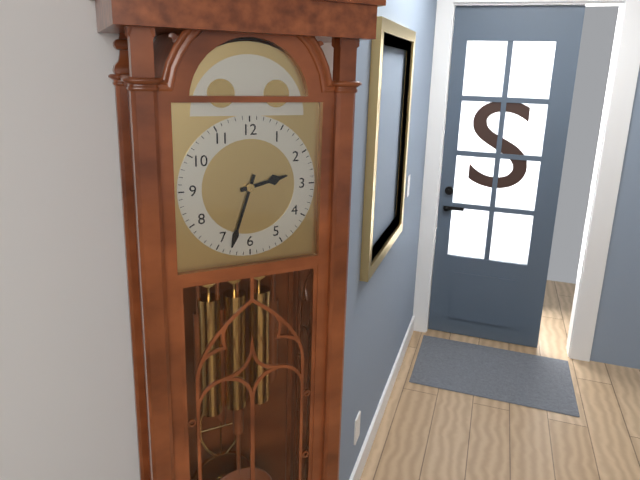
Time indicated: 2:33
